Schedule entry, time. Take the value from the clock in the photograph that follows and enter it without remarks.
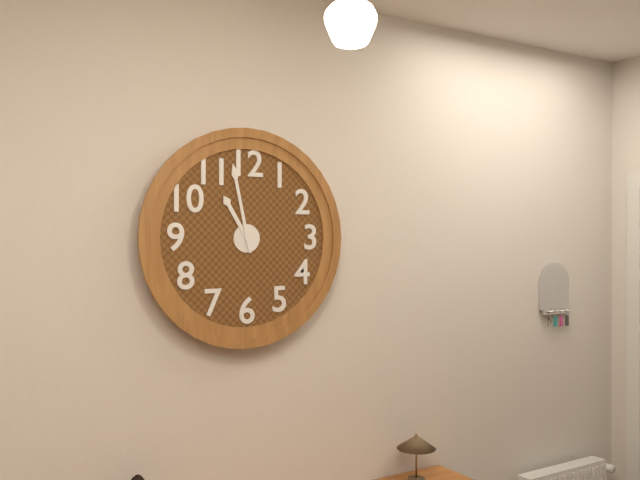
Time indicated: 10:58
